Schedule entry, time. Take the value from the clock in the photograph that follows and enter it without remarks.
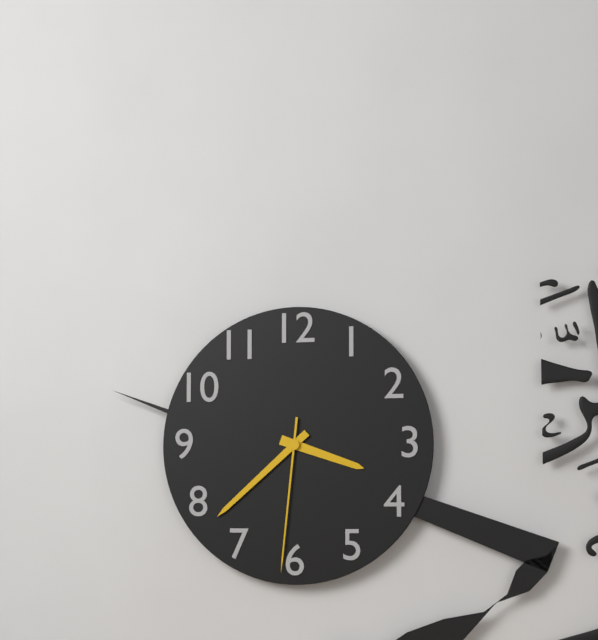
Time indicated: 3:38:31
